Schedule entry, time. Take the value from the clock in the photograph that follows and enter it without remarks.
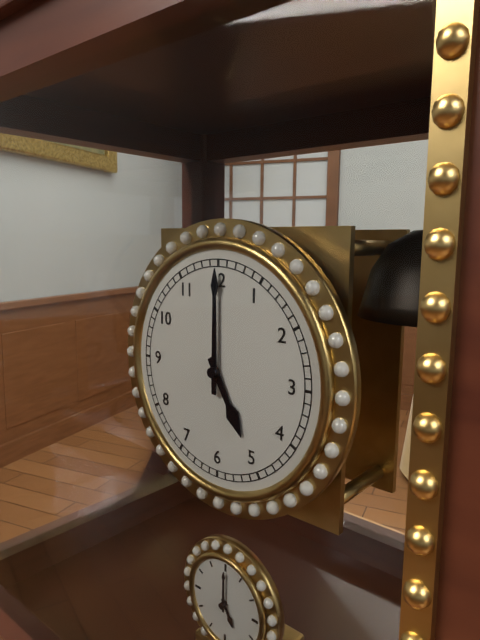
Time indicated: 5:00
